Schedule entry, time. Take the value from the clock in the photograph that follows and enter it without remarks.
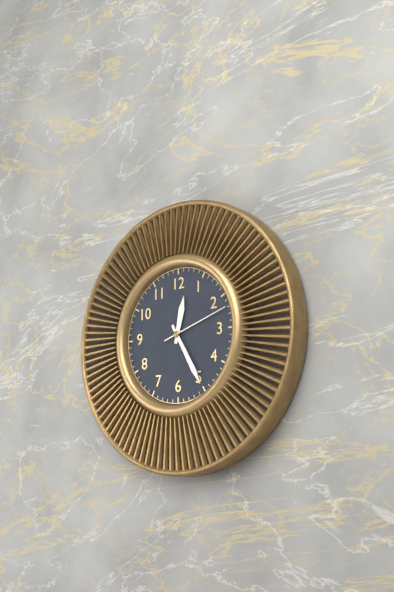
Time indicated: 12:25:12
